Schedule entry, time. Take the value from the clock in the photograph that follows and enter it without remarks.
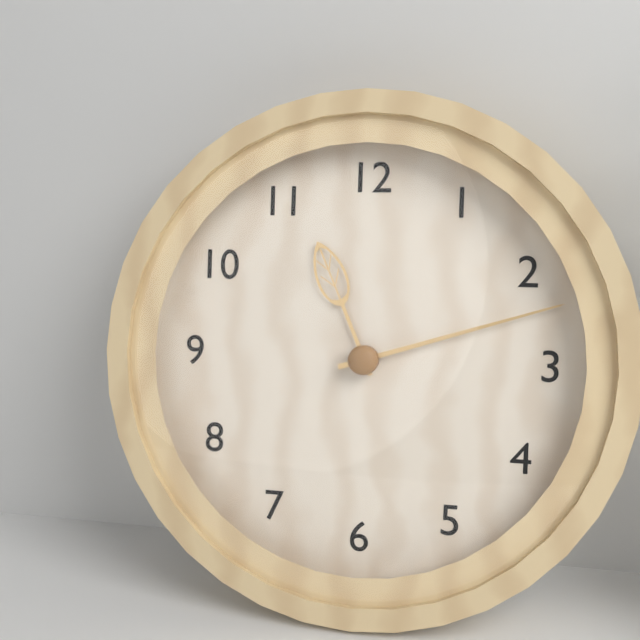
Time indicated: 11:12
